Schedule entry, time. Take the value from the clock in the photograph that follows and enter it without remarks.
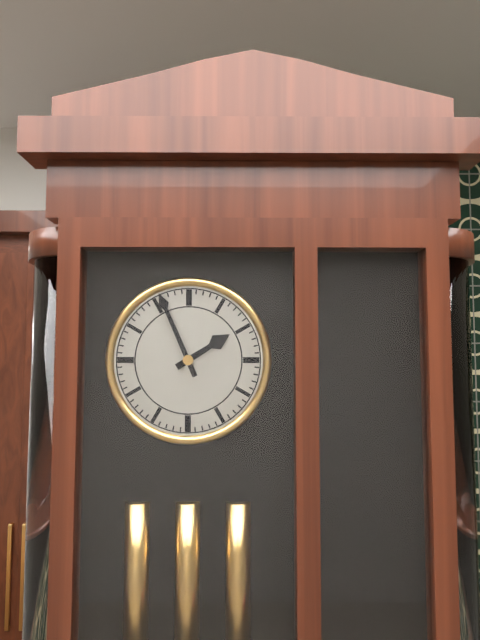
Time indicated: 1:56
